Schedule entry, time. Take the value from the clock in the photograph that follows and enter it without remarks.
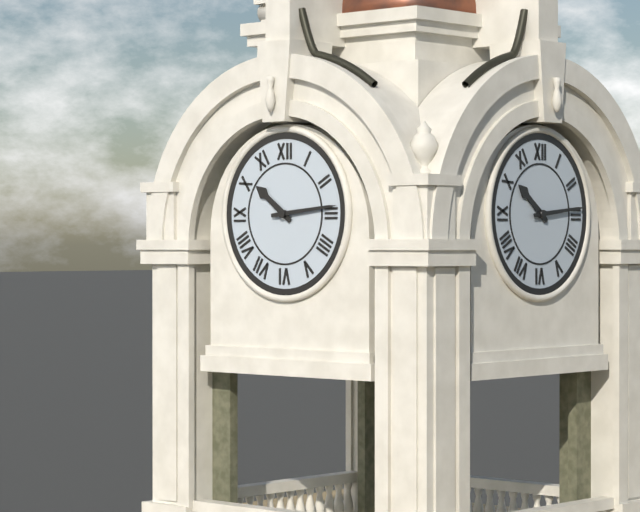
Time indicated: 10:14
